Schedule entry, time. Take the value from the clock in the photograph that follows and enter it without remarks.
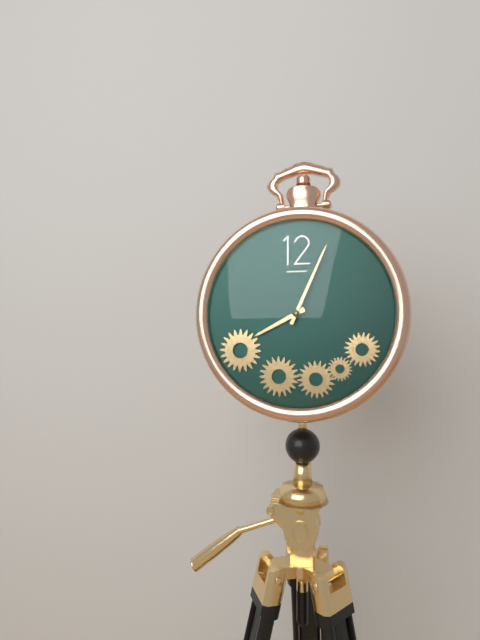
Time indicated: 8:04
